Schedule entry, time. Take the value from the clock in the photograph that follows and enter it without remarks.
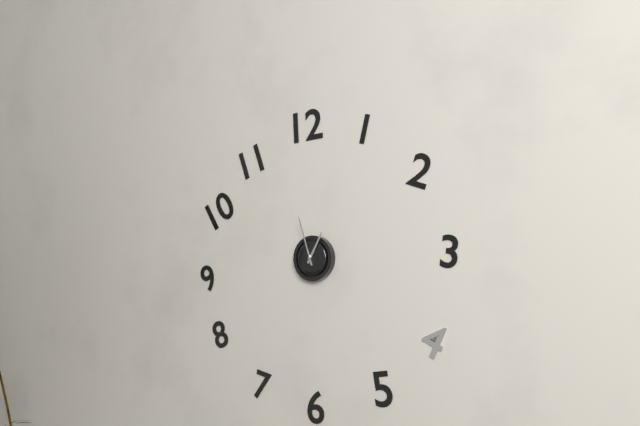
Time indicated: 12:57
